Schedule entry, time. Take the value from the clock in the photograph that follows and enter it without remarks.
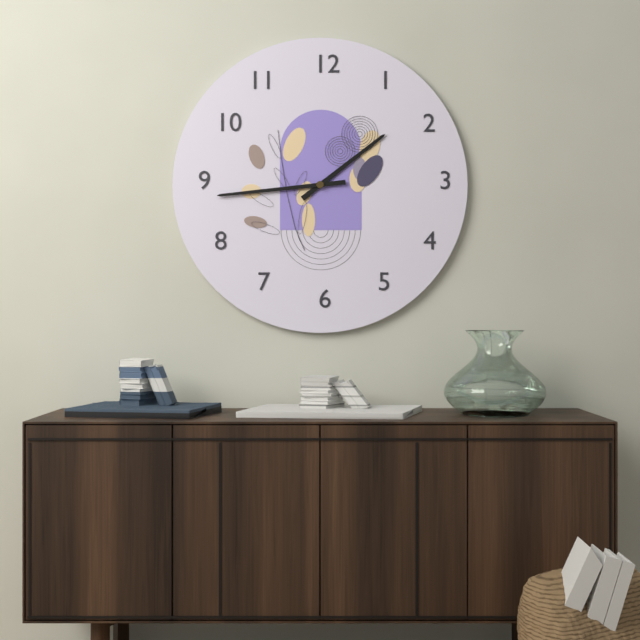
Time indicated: 1:44
